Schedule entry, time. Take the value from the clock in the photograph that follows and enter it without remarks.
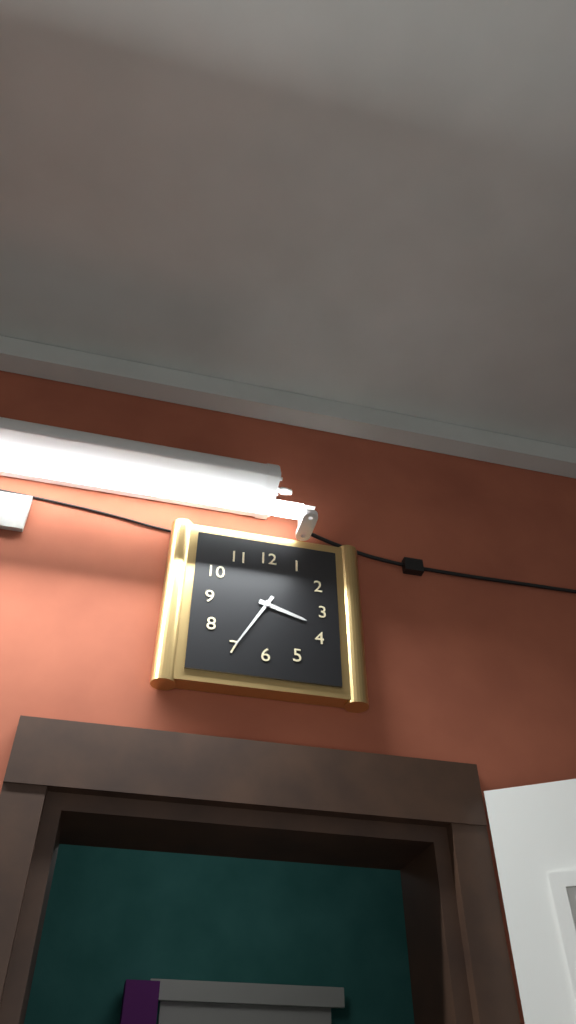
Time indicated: 3:35
